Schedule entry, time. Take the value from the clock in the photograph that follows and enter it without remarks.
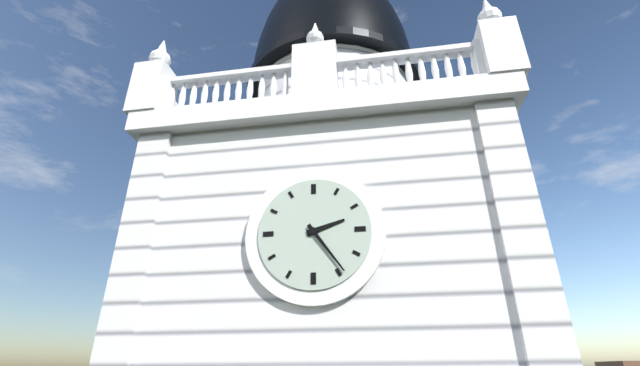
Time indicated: 2:24
